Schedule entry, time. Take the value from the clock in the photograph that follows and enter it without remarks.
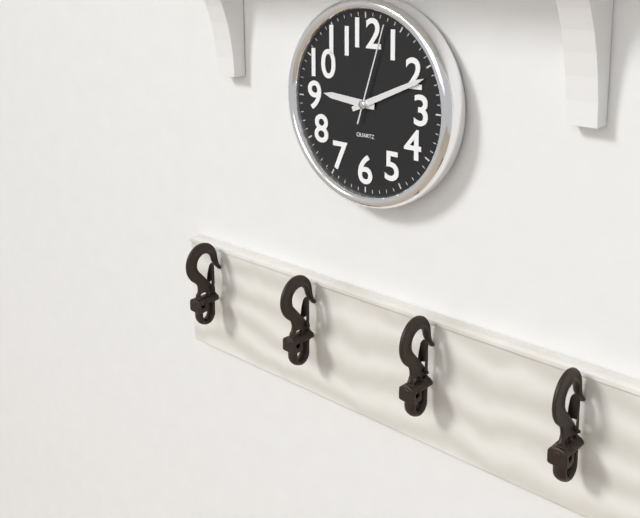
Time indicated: 9:11:03
